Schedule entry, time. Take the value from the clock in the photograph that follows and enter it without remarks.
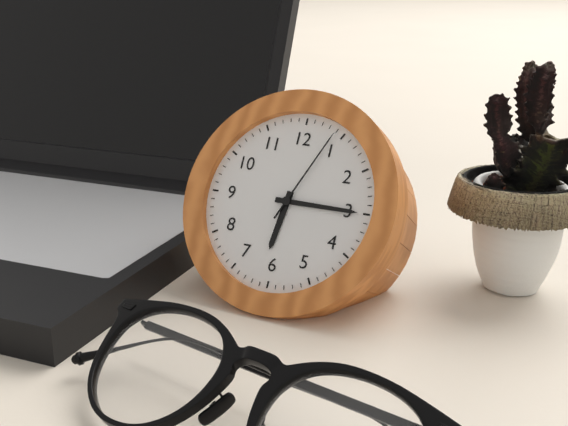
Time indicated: 6:15:04
